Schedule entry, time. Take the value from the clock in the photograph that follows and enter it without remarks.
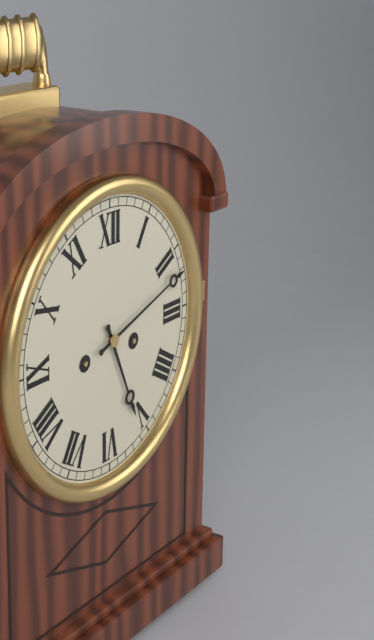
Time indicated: 5:12
